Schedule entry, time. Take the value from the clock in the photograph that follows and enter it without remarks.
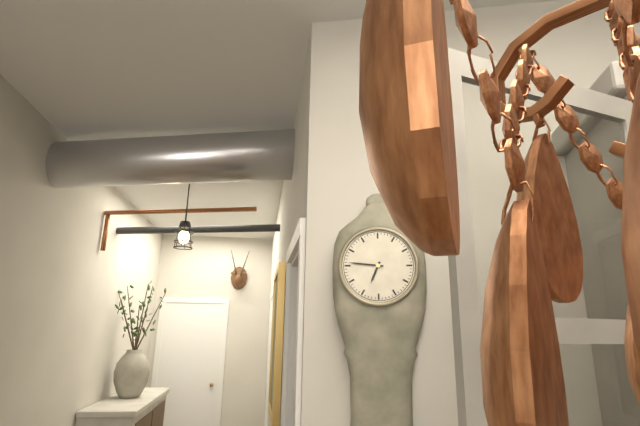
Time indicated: 6:46
